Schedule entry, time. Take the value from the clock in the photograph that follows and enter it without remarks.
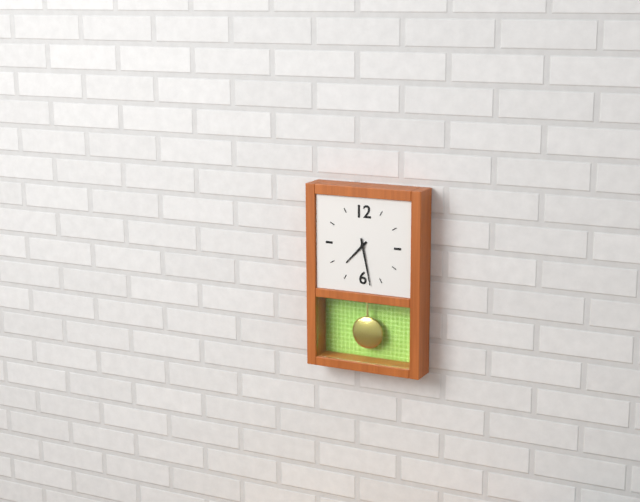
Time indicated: 7:28
